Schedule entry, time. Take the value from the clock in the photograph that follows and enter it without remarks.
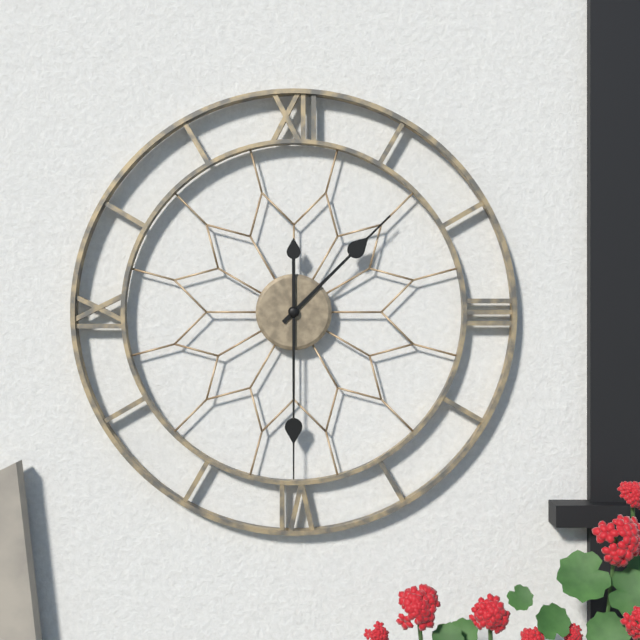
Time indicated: 1:30
